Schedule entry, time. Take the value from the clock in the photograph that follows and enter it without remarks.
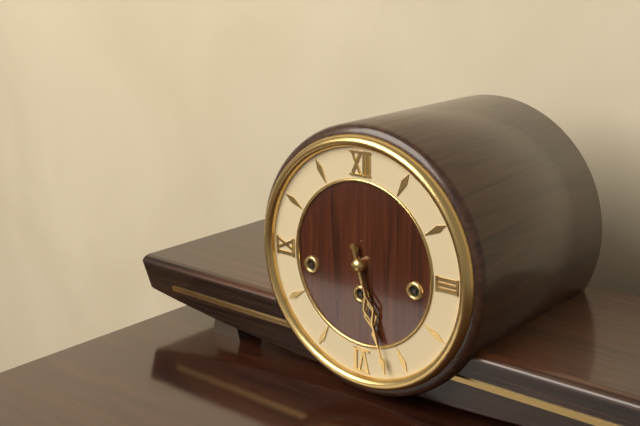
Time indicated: 5:27
